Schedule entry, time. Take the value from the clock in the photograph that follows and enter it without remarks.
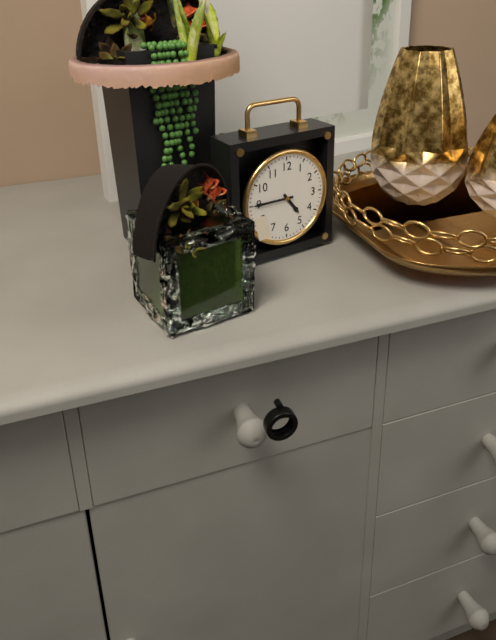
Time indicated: 4:45
